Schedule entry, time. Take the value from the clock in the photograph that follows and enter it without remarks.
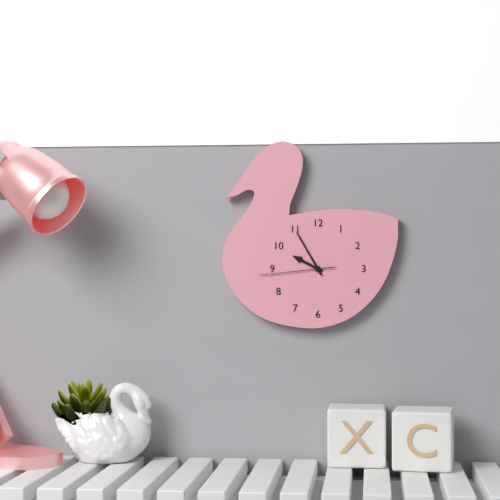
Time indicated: 9:55:44
